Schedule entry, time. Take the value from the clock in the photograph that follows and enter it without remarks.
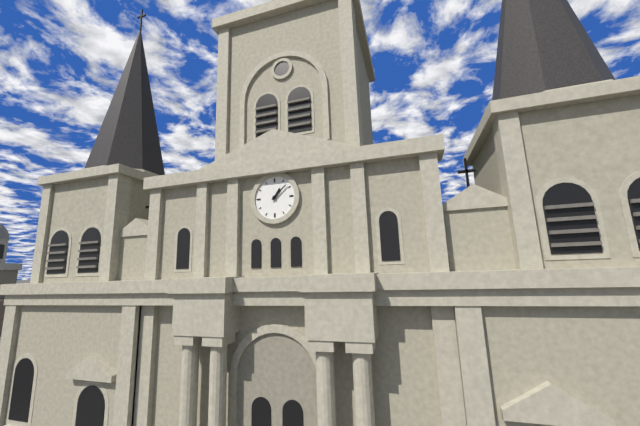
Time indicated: 1:08
